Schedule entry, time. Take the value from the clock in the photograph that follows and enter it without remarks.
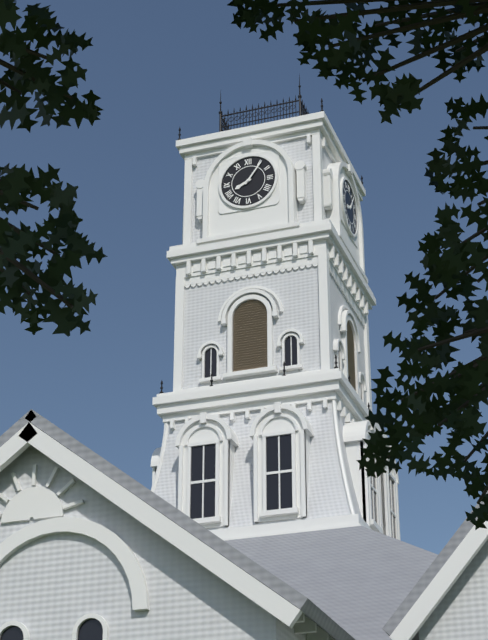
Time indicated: 8:06
